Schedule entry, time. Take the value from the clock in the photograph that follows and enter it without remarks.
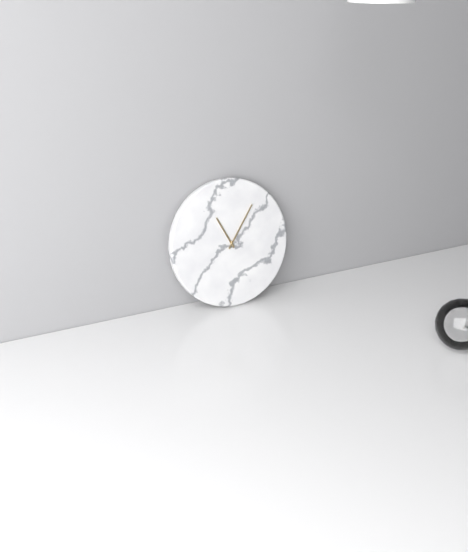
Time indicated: 11:06
